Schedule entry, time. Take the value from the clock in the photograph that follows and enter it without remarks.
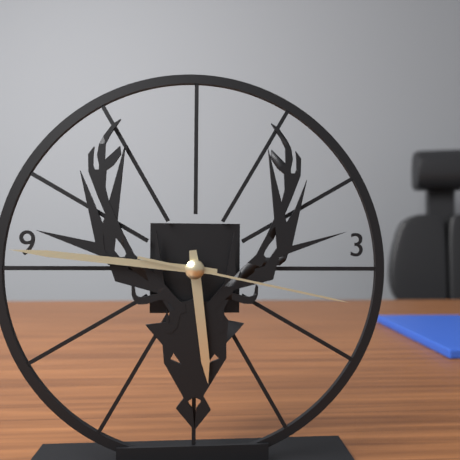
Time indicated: 5:46:17
